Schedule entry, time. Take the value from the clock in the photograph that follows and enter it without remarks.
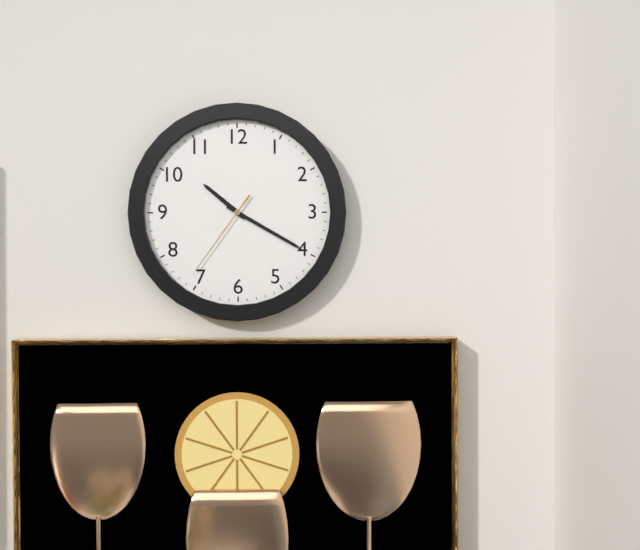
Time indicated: 10:20:36
